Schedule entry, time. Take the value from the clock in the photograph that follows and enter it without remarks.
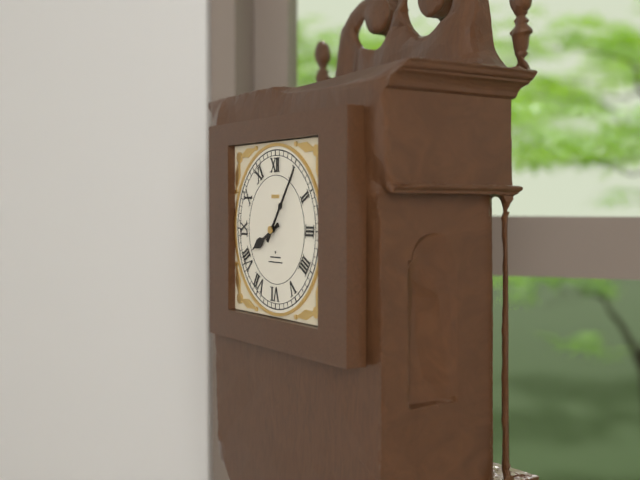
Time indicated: 8:06
